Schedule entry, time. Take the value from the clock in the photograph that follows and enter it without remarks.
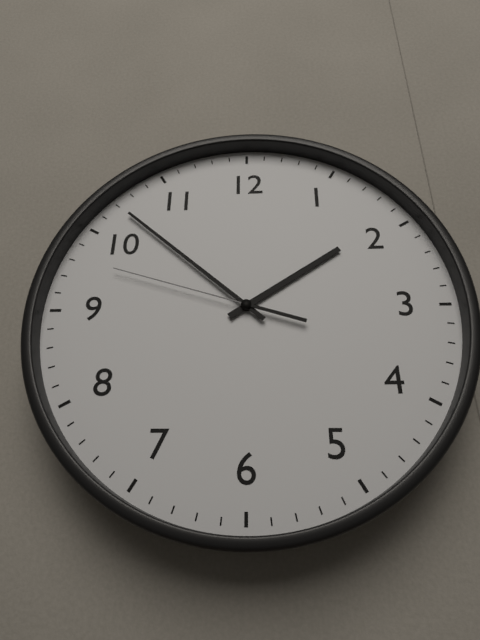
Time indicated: 1:52:48
